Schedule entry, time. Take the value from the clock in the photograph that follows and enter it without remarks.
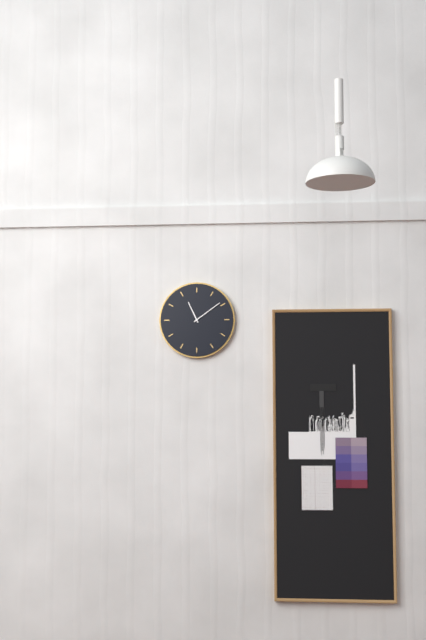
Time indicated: 11:09
